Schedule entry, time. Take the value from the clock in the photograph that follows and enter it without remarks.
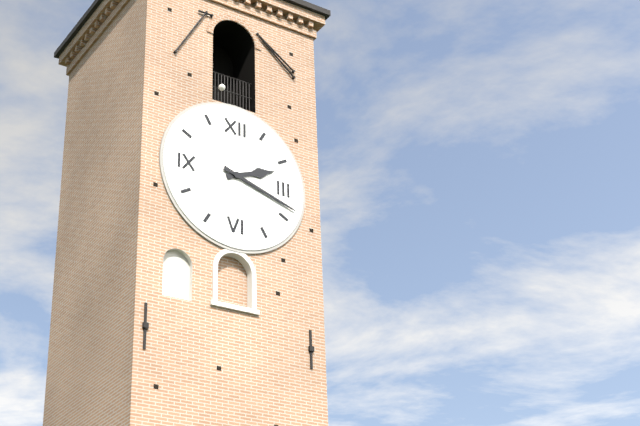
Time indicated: 2:18
